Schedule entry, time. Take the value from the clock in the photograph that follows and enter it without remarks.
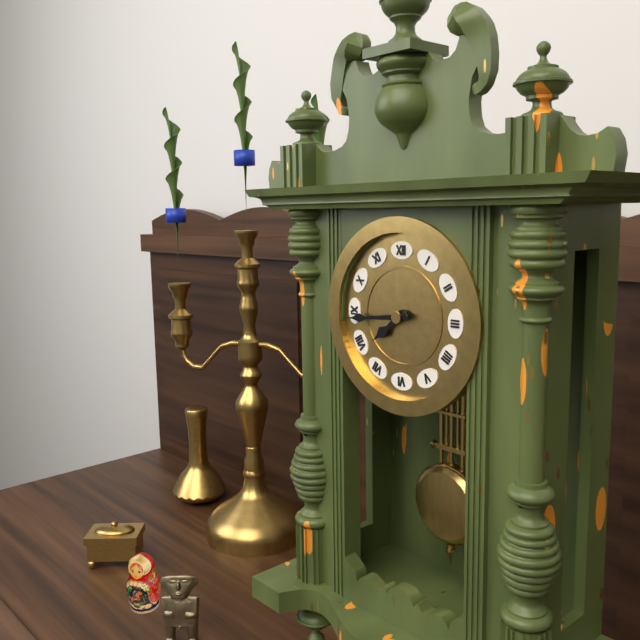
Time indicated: 7:44
